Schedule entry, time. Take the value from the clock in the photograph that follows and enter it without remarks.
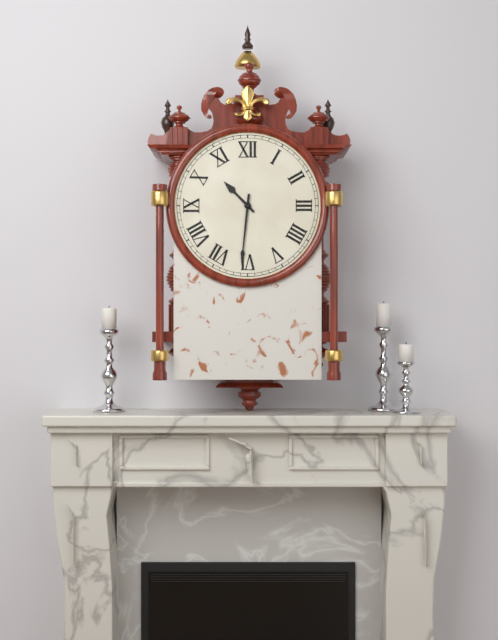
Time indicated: 10:31
